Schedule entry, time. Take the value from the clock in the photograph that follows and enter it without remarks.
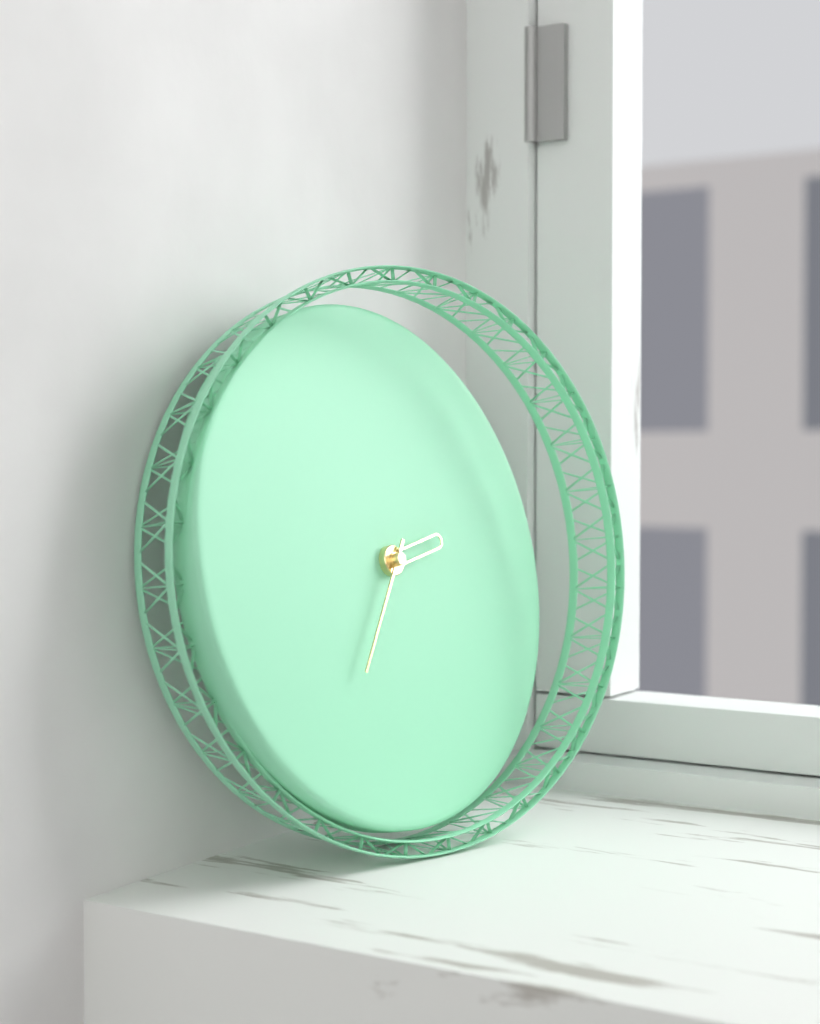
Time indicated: 2:36
